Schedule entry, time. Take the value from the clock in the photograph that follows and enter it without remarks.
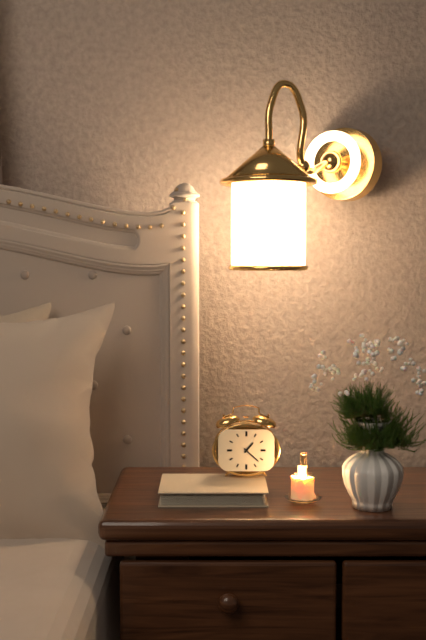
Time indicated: 1:22
